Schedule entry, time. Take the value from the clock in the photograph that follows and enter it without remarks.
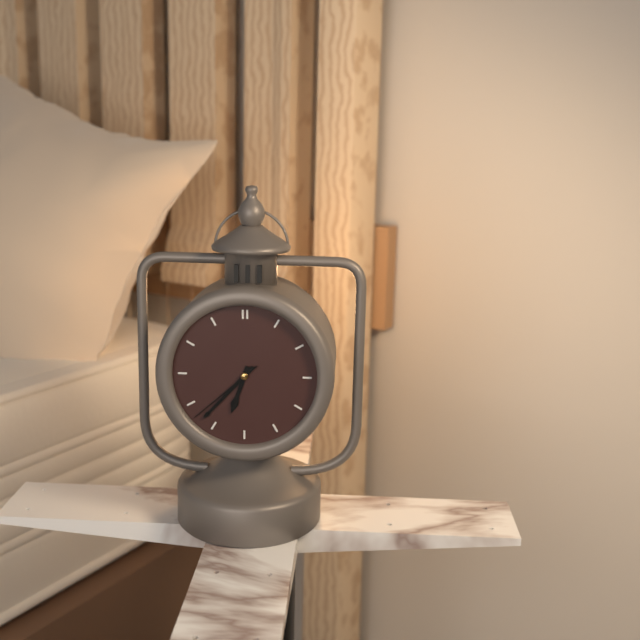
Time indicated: 6:37:38
